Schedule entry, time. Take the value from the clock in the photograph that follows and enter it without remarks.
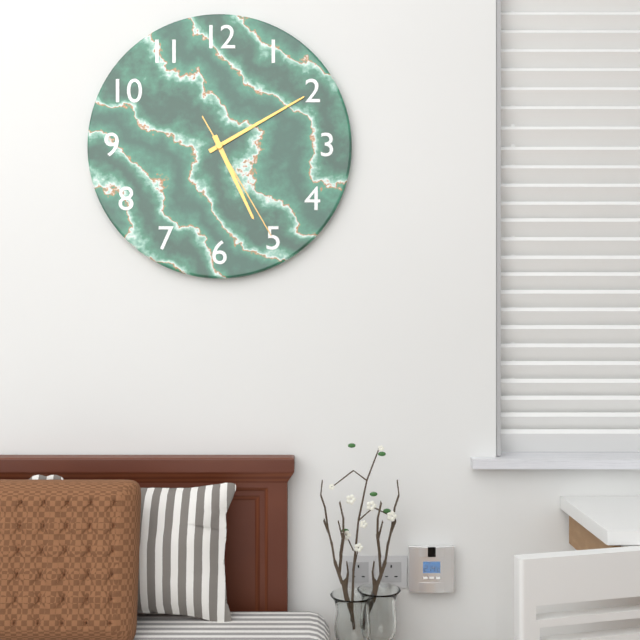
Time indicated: 5:10:25
